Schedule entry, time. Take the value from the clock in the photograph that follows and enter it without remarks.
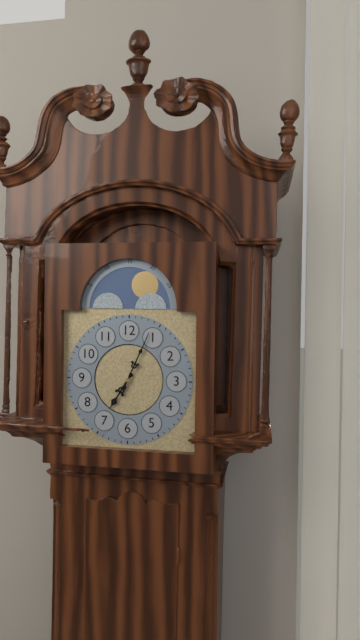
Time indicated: 7:04
